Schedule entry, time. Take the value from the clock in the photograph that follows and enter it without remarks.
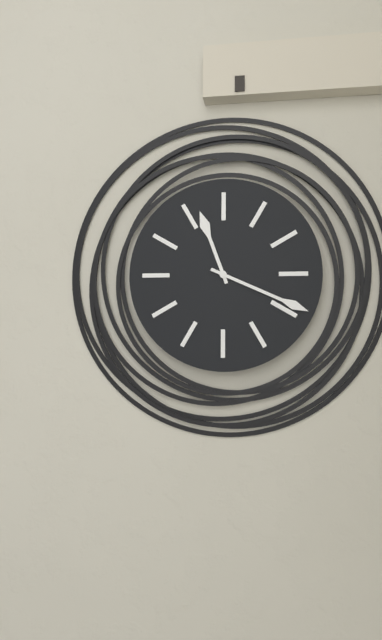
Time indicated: 11:19
